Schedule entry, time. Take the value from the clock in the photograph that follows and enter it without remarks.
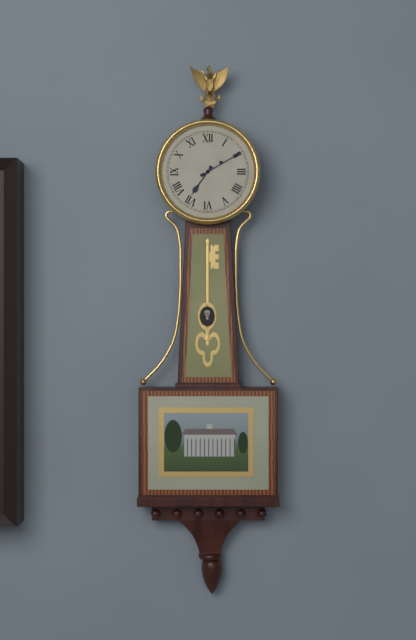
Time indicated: 7:10
